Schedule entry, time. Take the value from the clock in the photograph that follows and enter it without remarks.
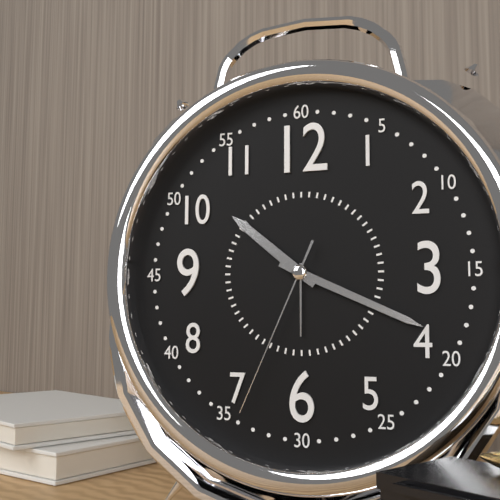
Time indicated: 10:19:34
